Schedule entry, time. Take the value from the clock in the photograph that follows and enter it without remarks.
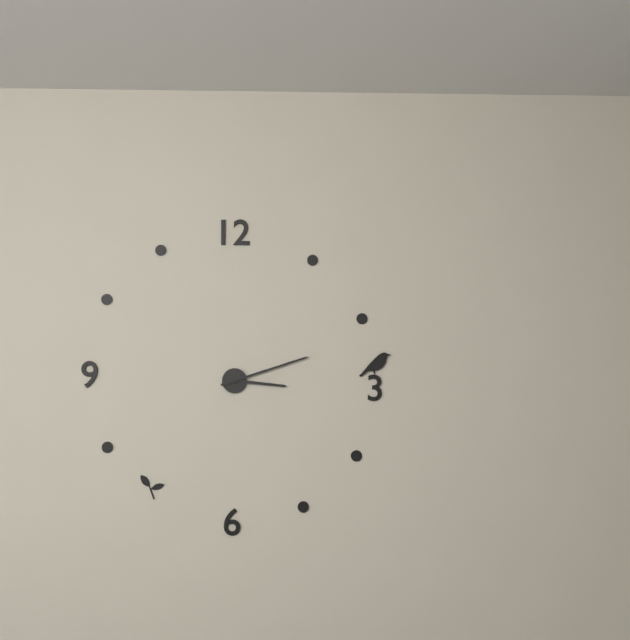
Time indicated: 3:12
